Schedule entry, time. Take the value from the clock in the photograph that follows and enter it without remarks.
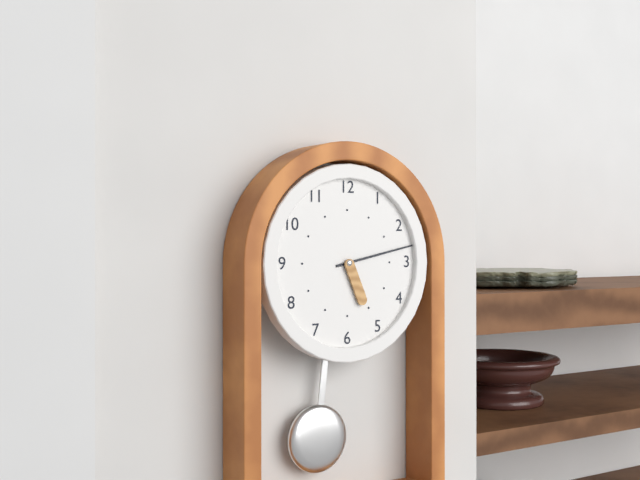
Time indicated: 5:13
